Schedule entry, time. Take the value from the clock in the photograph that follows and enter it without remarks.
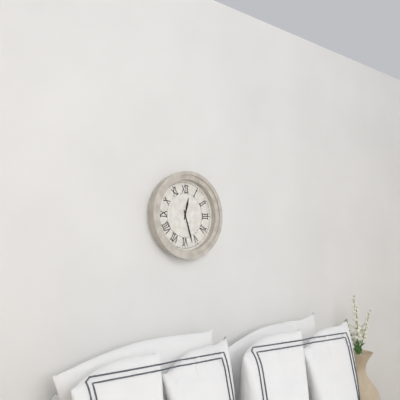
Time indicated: 12:27
